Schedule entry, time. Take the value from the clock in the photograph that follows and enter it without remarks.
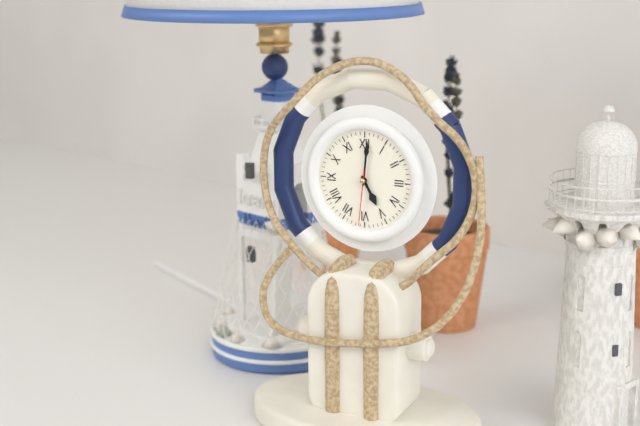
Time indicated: 5:01:31
